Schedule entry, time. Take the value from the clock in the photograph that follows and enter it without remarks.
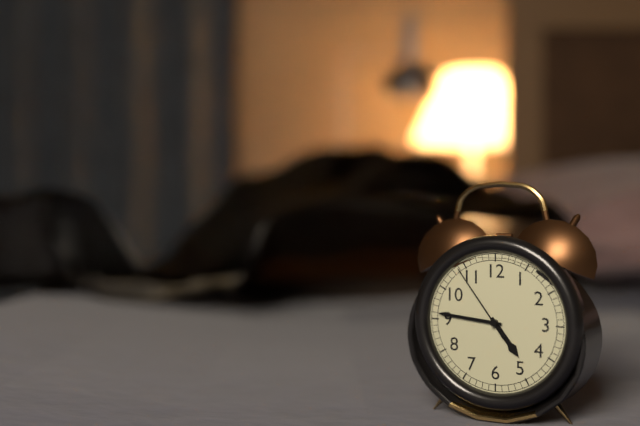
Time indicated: 4:46:54
